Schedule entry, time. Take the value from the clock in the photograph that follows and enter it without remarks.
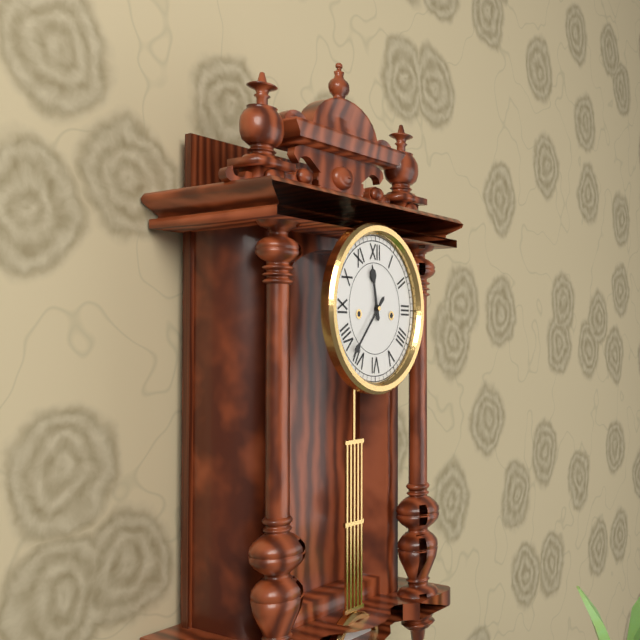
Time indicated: 11:37
